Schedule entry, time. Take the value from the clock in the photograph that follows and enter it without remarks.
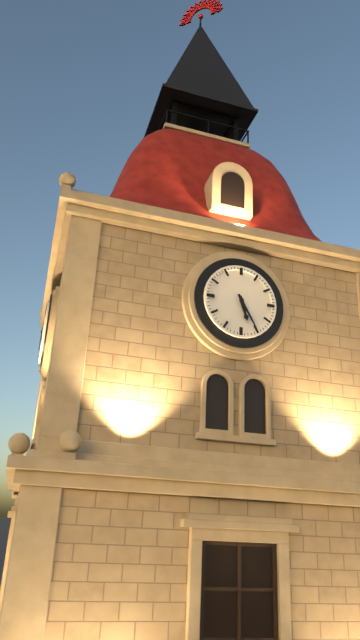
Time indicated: 5:25
